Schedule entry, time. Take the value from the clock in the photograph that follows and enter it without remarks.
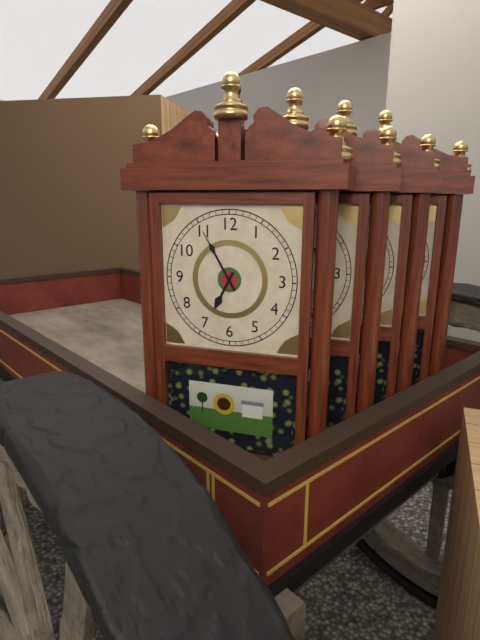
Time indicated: 6:55
